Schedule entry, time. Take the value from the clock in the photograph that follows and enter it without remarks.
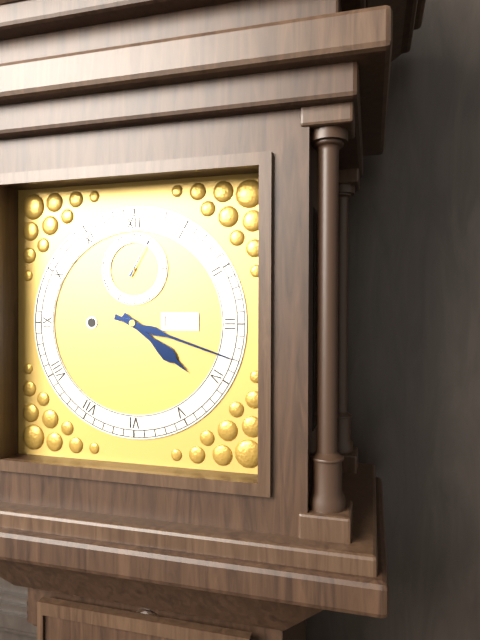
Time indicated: 4:18
